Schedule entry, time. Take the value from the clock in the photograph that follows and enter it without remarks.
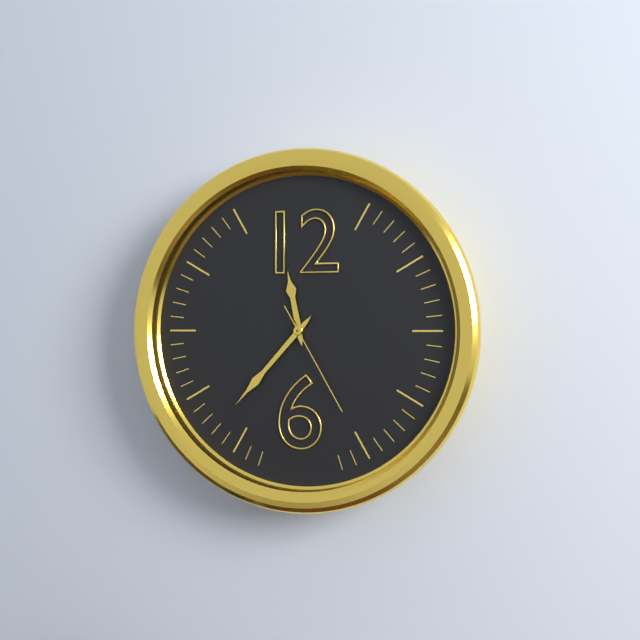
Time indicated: 11:37:25
